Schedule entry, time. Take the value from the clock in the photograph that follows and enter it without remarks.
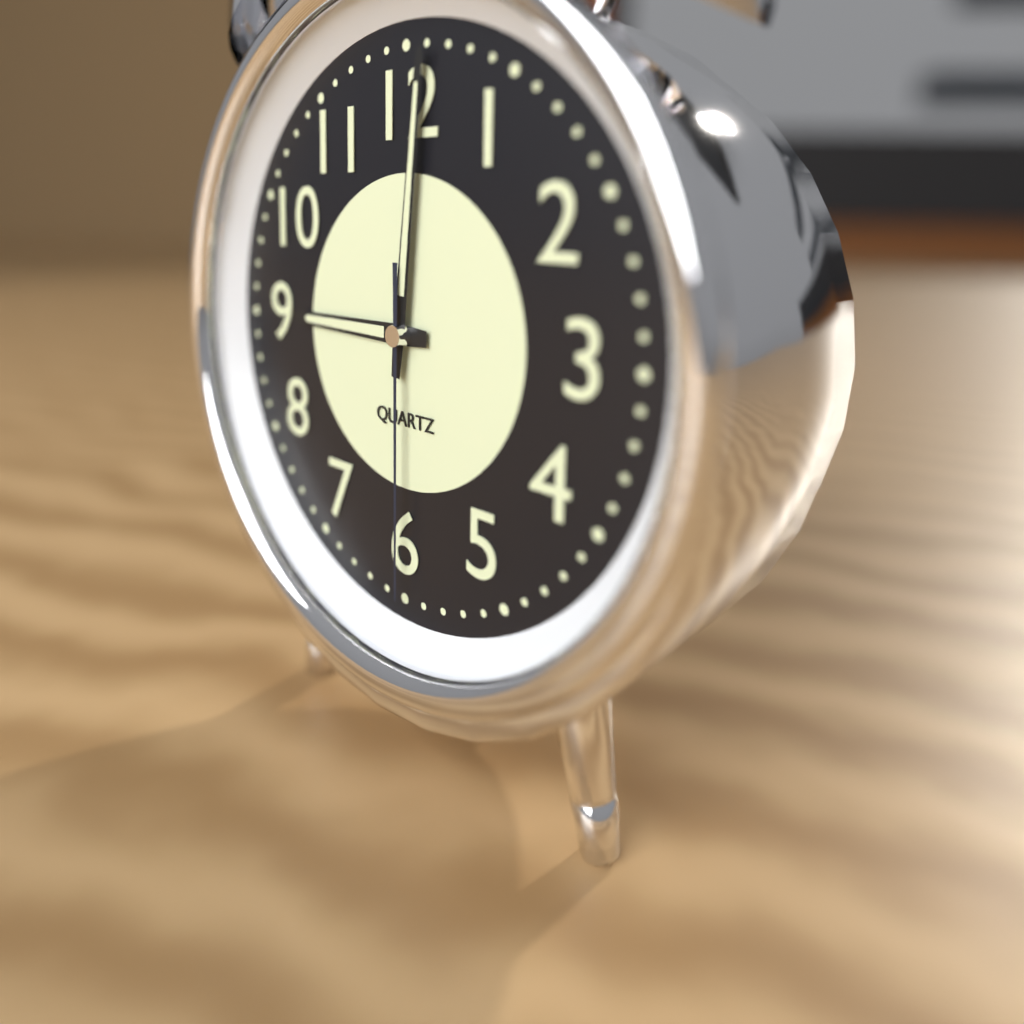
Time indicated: 9:01:30
